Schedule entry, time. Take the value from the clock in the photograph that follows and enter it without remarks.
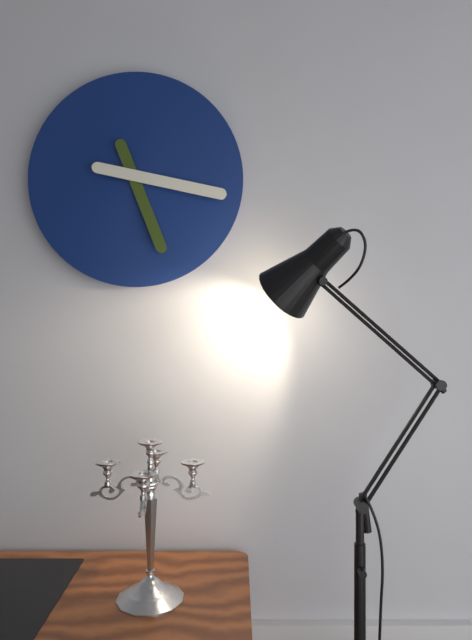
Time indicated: 5:17
